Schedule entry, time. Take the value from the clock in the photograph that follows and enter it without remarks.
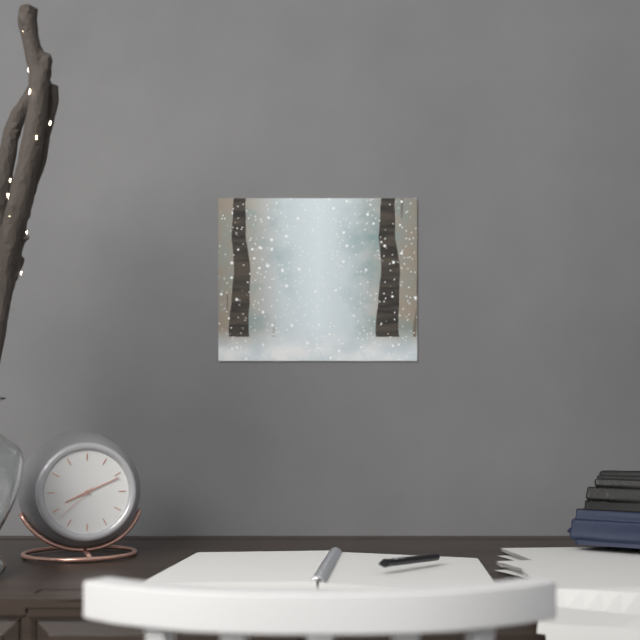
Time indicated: 8:11
